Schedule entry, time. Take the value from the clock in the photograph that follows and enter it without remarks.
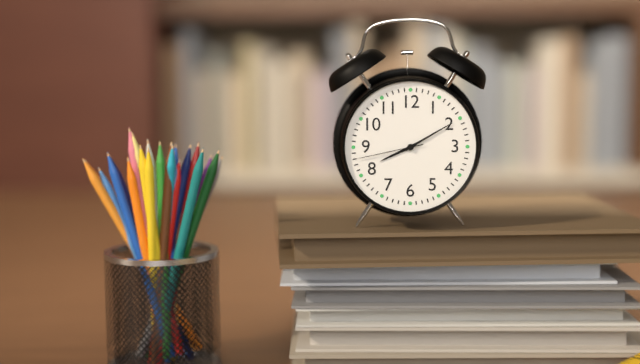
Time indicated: 8:10:43
